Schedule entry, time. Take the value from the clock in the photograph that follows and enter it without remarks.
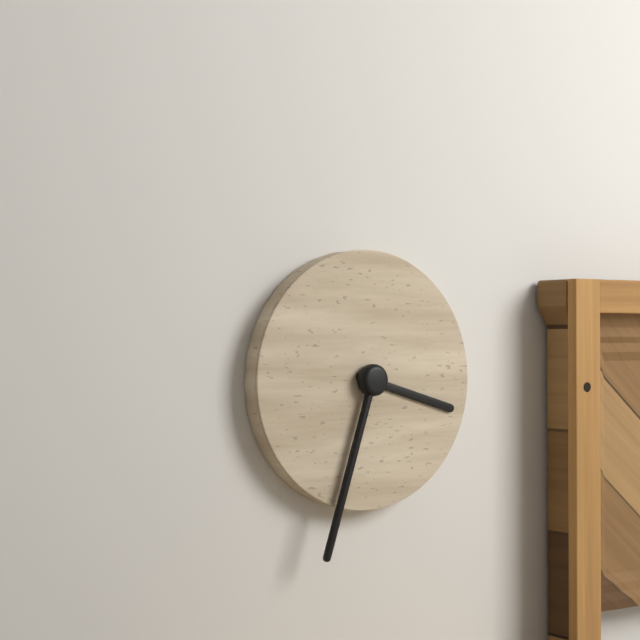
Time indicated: 3:33
